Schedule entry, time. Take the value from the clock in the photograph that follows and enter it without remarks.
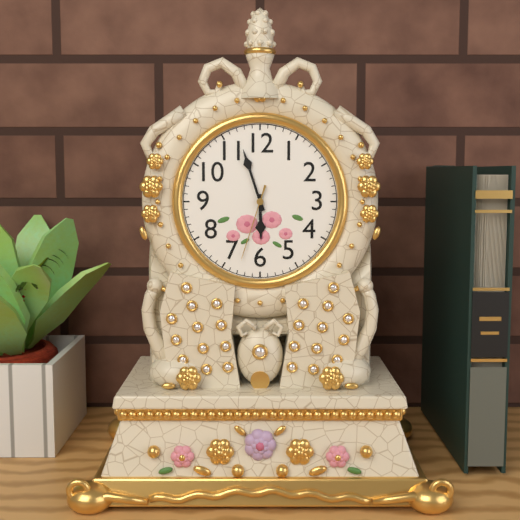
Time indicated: 5:57:33
